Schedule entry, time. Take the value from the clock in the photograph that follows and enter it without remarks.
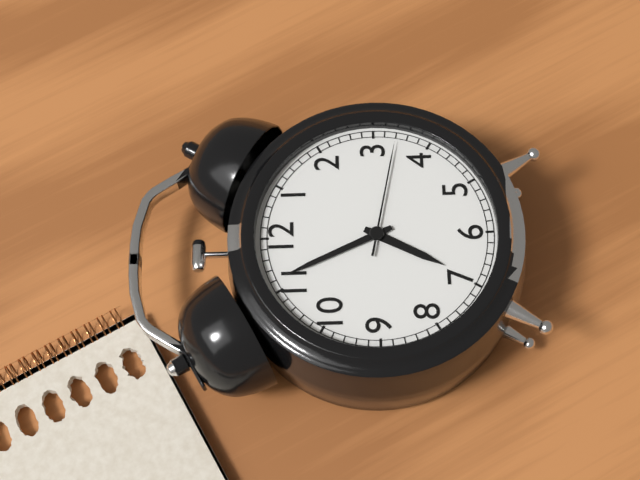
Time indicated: 6:56:17
